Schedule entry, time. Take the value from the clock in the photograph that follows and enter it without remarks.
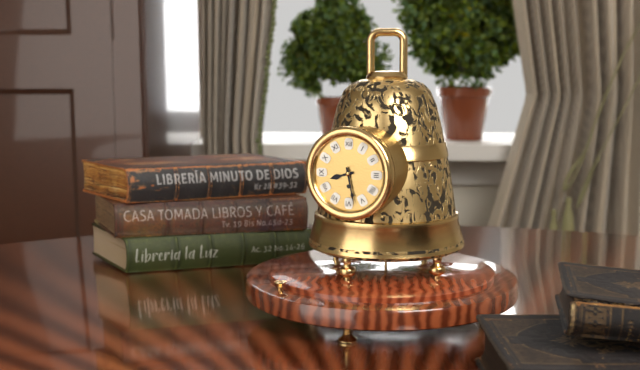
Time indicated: 8:28
